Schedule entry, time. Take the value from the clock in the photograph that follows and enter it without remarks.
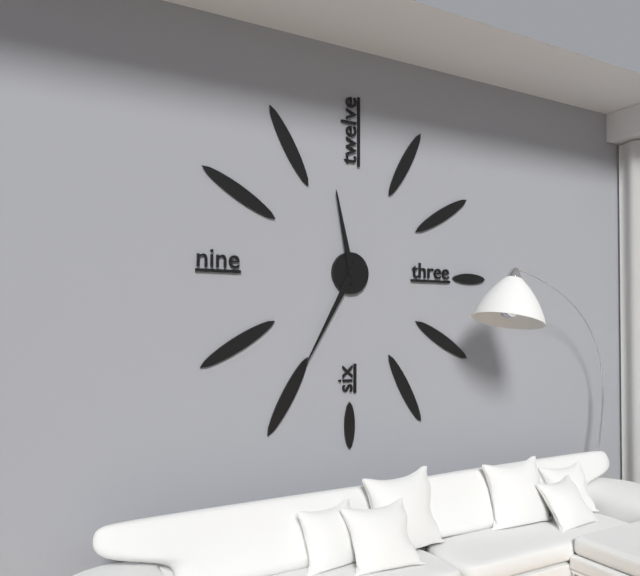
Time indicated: 11:35
